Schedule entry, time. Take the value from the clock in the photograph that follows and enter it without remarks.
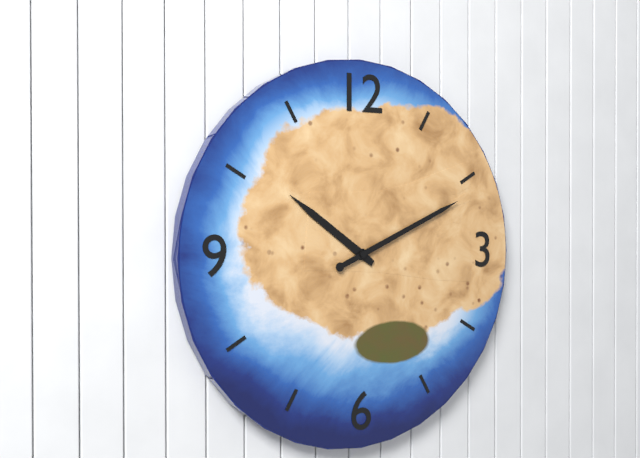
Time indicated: 10:11
